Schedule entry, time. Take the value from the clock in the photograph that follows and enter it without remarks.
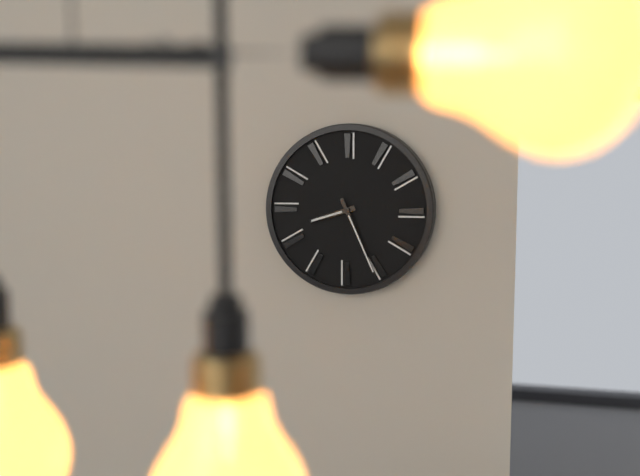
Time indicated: 8:26
